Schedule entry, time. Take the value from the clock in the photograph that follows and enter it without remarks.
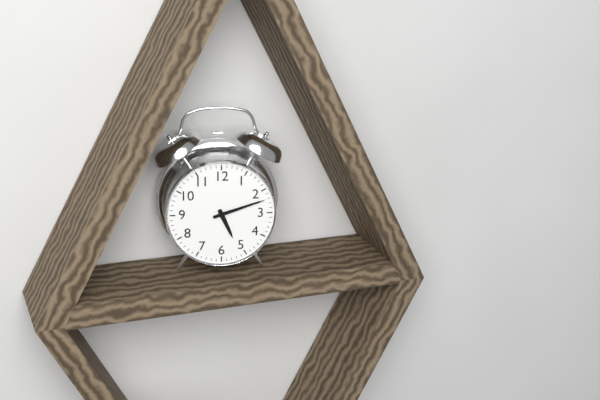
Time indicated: 5:12
